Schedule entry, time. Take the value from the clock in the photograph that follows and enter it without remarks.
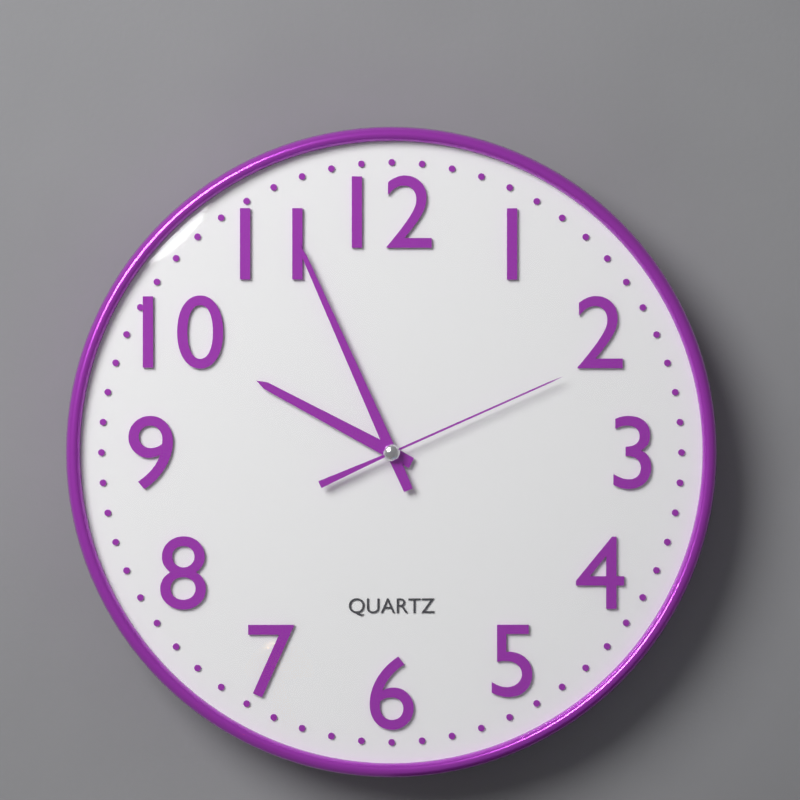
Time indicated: 9:56:11
